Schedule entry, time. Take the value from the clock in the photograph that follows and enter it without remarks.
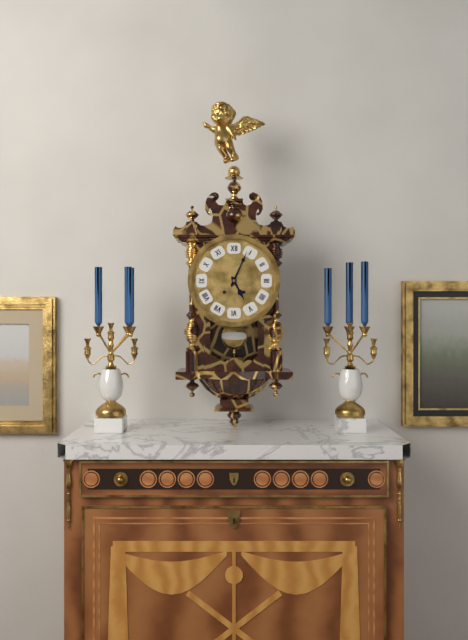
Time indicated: 5:04
